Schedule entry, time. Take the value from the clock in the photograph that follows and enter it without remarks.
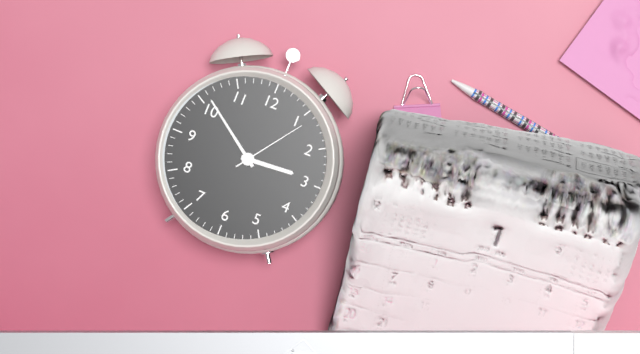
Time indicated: 2:51:06
